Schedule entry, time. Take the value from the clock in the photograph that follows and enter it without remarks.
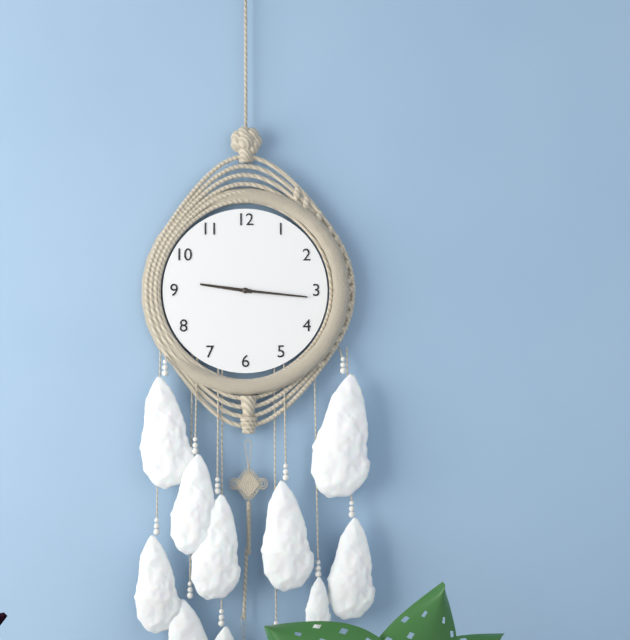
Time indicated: 9:16
